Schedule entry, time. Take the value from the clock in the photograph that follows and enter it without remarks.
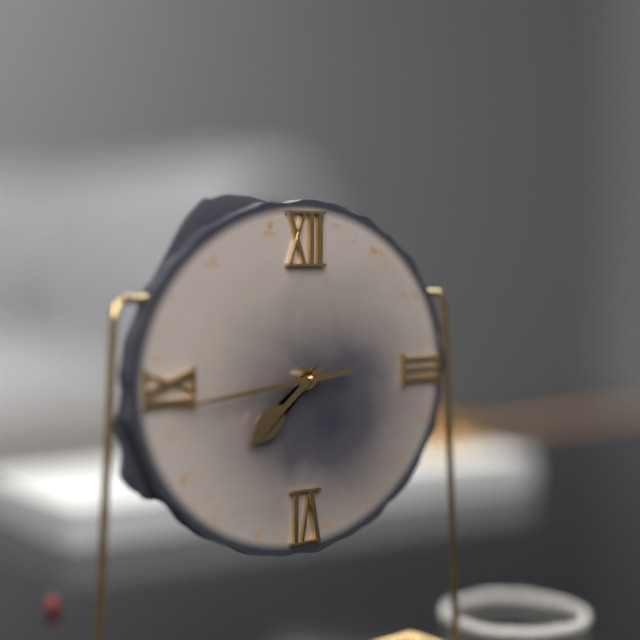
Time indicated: 7:44
